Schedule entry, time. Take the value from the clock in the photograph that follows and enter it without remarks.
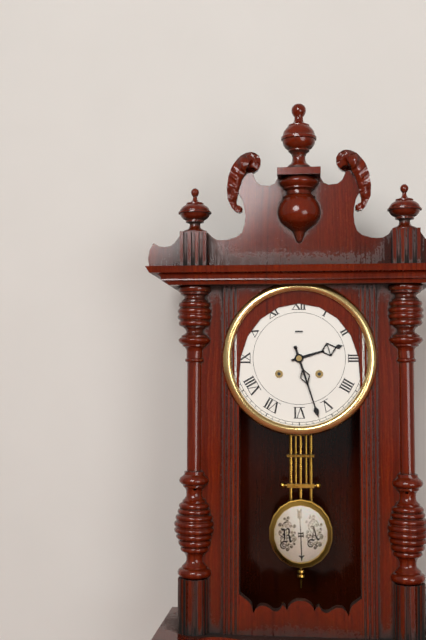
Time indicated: 2:27
